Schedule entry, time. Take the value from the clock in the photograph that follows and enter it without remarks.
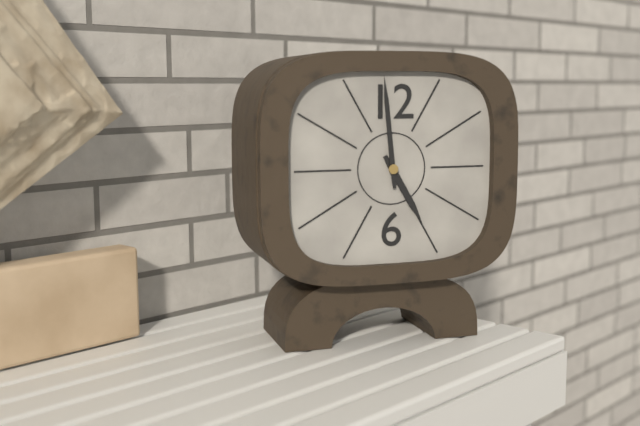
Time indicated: 4:59
